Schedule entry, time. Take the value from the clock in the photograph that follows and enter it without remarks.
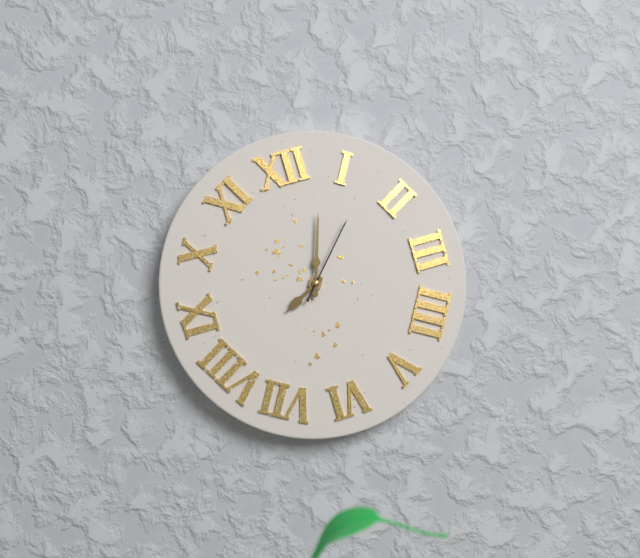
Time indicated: 8:03:07
